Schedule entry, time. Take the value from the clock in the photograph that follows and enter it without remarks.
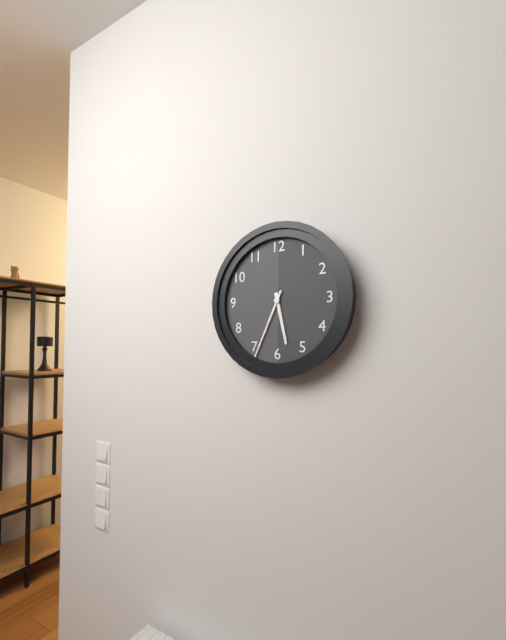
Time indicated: 5:34
